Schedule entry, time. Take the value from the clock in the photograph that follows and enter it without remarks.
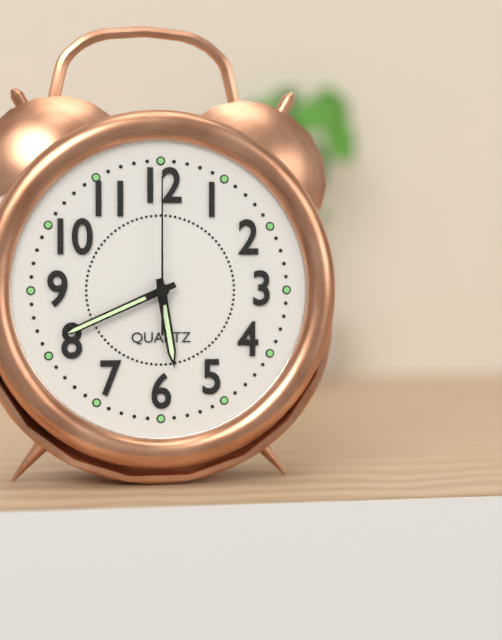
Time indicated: 5:41:00
